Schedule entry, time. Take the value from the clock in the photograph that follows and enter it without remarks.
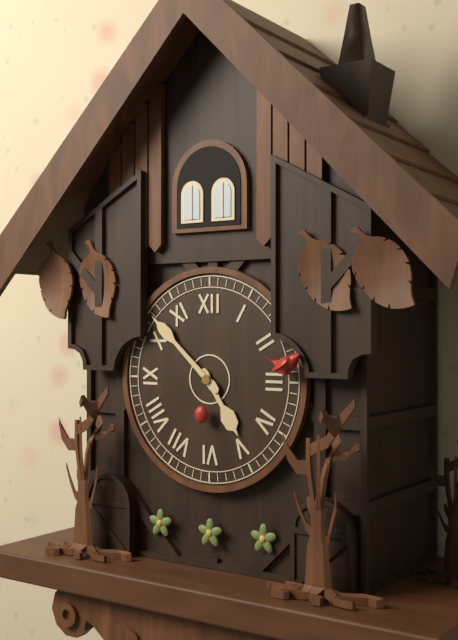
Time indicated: 4:52
